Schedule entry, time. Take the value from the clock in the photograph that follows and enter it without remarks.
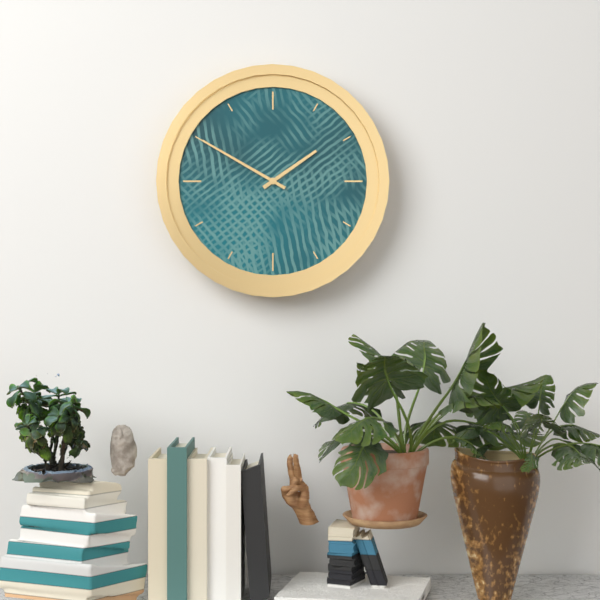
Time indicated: 1:50
